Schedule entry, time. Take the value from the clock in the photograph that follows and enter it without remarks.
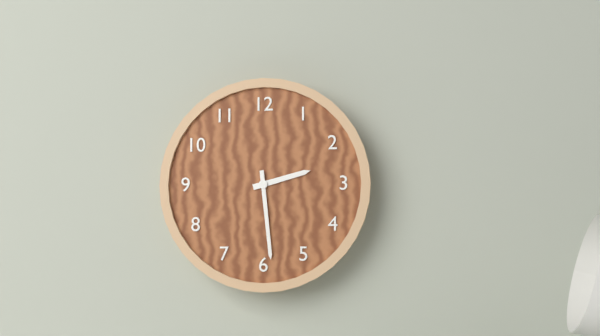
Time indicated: 2:29
